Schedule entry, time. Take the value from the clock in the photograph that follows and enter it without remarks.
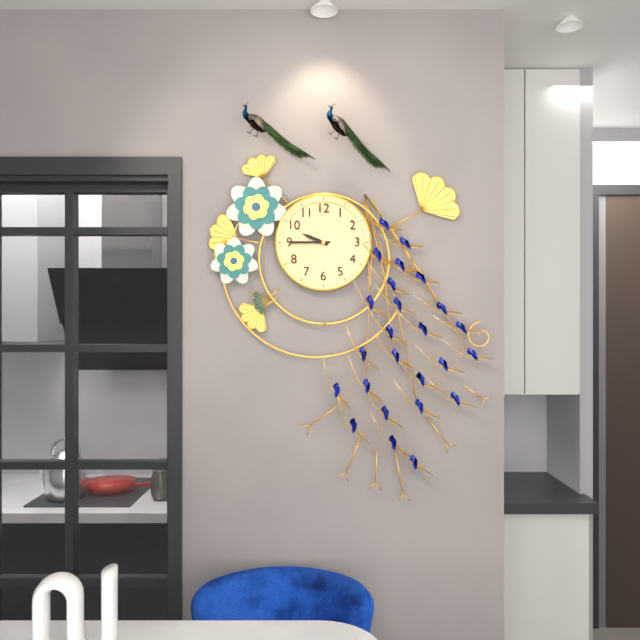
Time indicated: 9:45
